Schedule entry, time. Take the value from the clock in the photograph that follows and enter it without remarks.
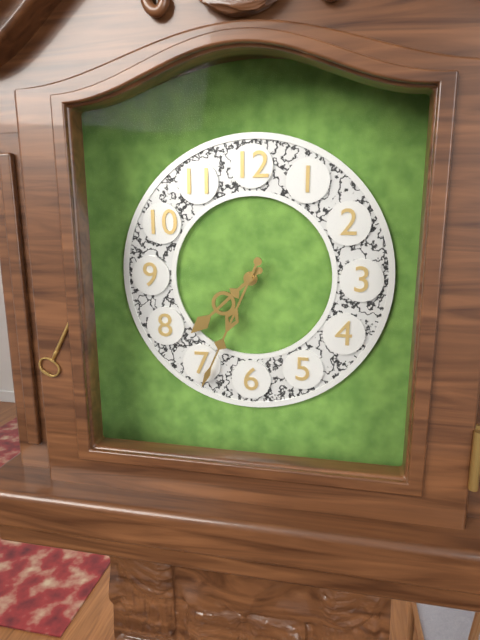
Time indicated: 7:34
